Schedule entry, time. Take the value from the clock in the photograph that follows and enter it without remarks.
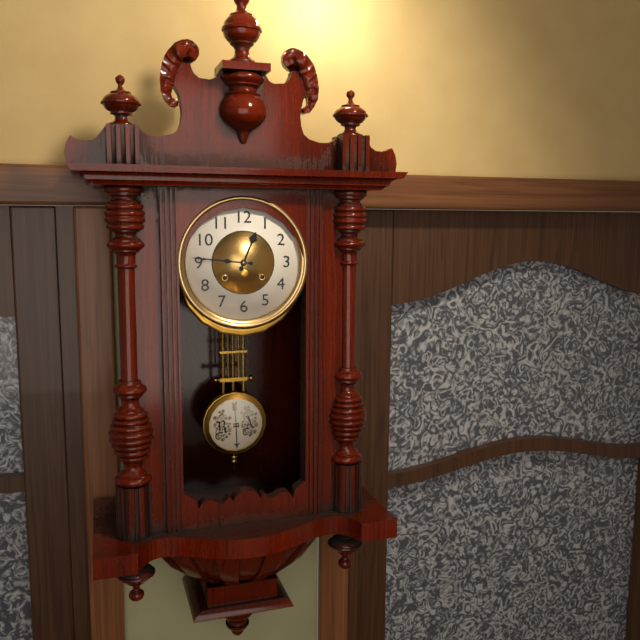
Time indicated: 12:46
